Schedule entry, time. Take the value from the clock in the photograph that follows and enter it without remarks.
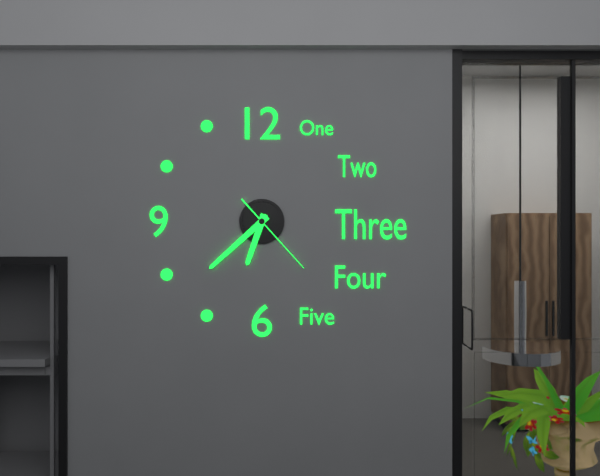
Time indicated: 6:38:23
